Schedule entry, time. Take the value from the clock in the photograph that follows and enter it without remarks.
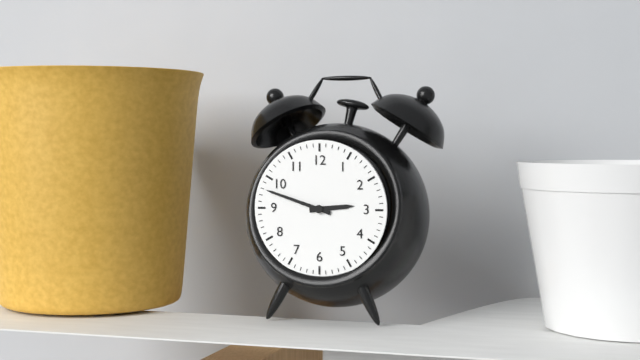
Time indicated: 2:48
